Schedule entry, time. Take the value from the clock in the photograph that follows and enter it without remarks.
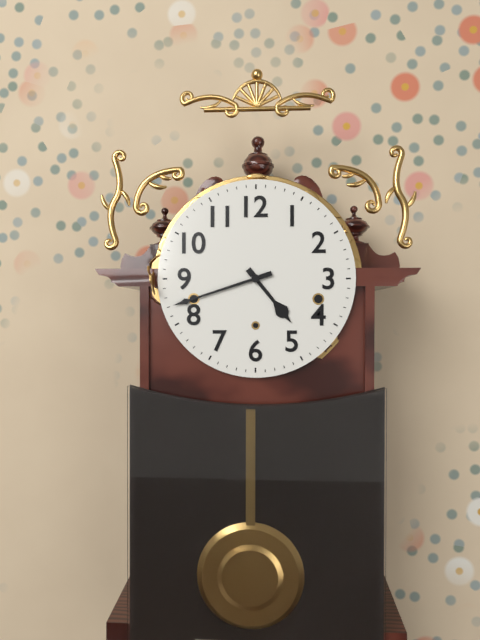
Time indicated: 4:42
